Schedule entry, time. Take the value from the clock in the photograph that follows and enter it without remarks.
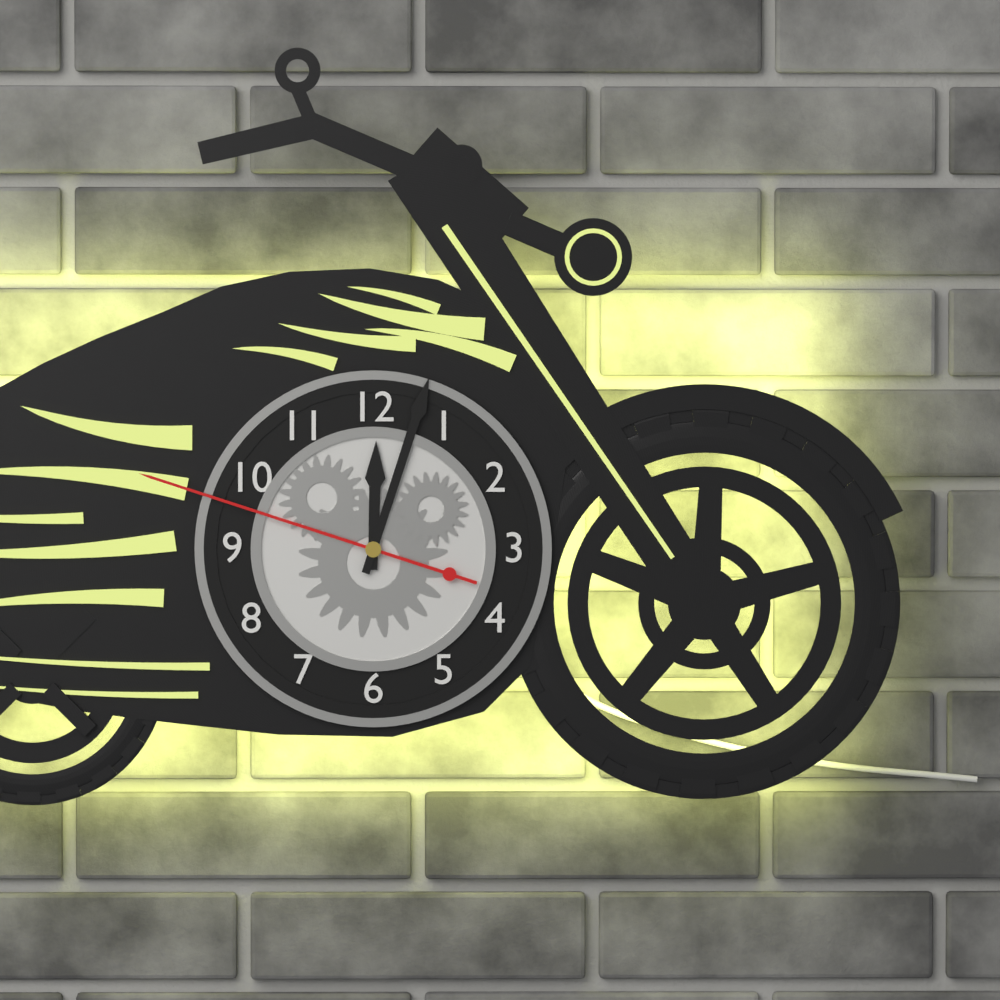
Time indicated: 12:03:48
